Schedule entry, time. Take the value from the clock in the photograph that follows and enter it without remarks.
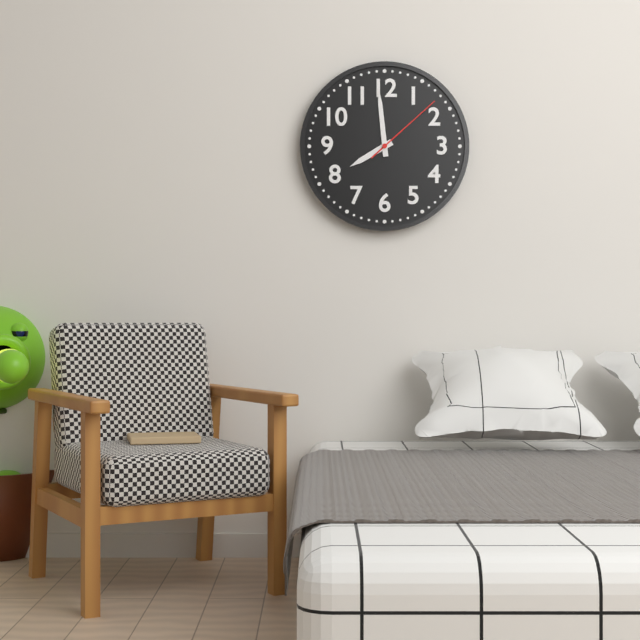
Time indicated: 7:59:08
